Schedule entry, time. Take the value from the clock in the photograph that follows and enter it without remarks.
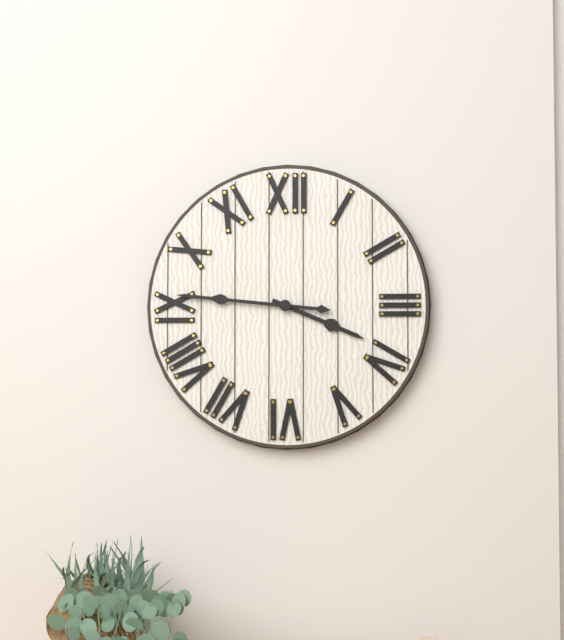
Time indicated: 3:46
